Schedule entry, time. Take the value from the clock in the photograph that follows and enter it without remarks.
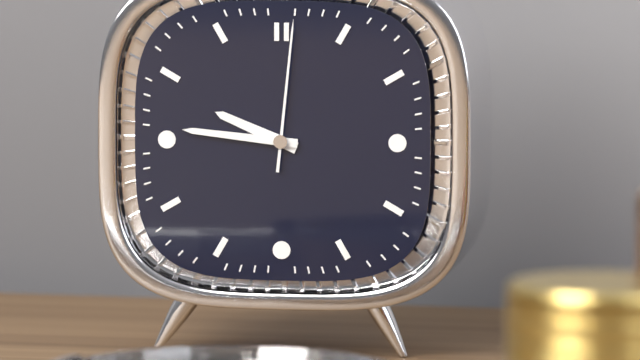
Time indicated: 9:46:01
